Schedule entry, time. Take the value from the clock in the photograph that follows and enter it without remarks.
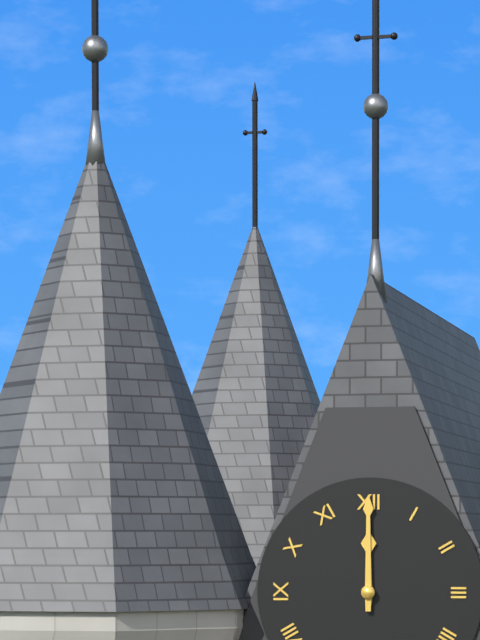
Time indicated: 12:00
